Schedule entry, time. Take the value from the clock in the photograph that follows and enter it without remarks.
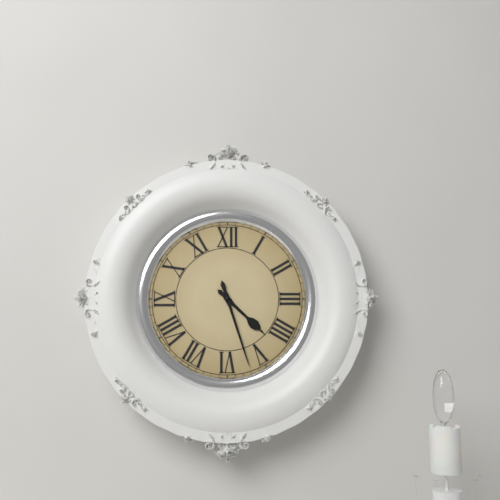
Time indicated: 4:27
